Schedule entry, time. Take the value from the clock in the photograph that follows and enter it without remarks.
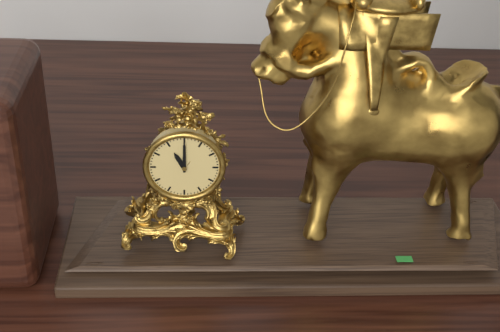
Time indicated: 11:00
